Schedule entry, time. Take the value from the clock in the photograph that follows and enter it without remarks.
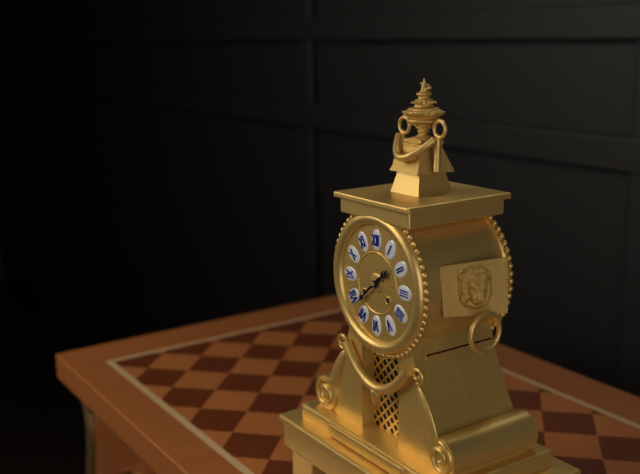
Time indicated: 1:38
